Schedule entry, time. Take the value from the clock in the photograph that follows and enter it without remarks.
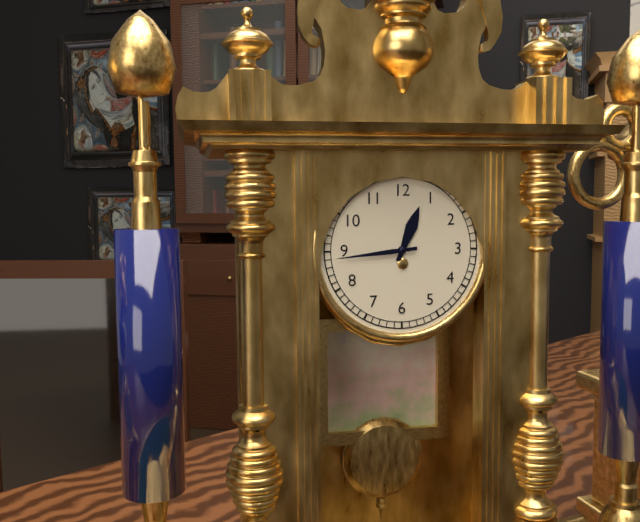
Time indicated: 12:44
